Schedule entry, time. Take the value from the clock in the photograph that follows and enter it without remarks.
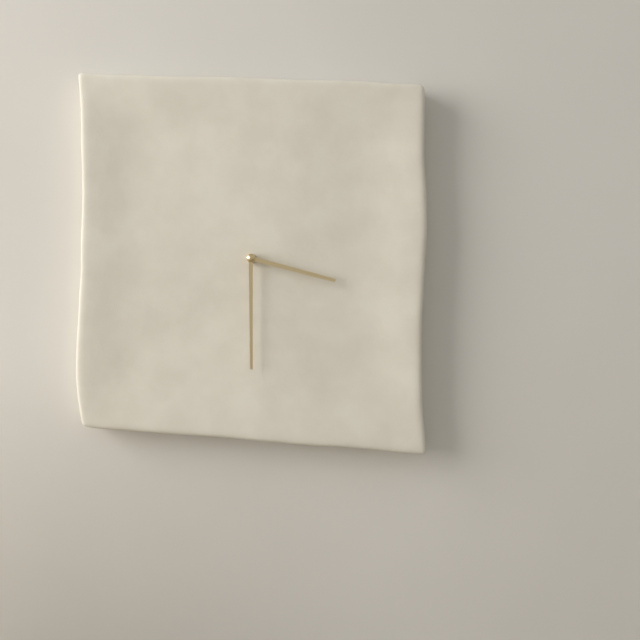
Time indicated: 3:30
